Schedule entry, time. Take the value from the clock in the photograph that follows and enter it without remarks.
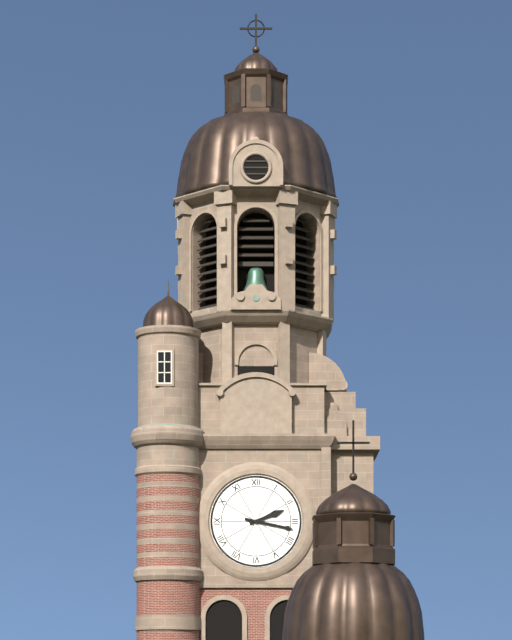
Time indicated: 2:17
